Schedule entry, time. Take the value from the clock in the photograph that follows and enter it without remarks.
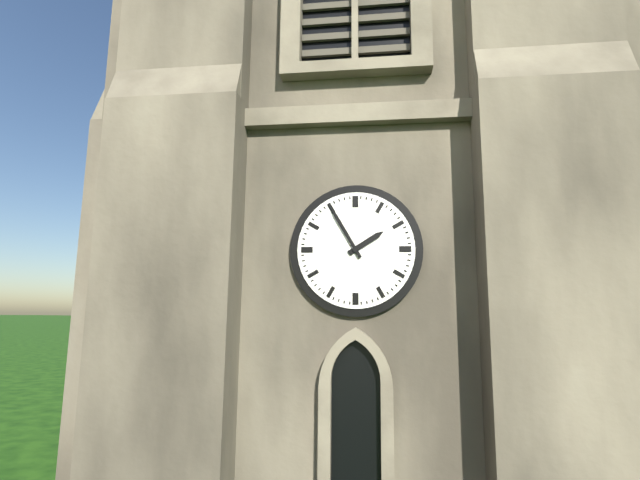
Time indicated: 1:55
